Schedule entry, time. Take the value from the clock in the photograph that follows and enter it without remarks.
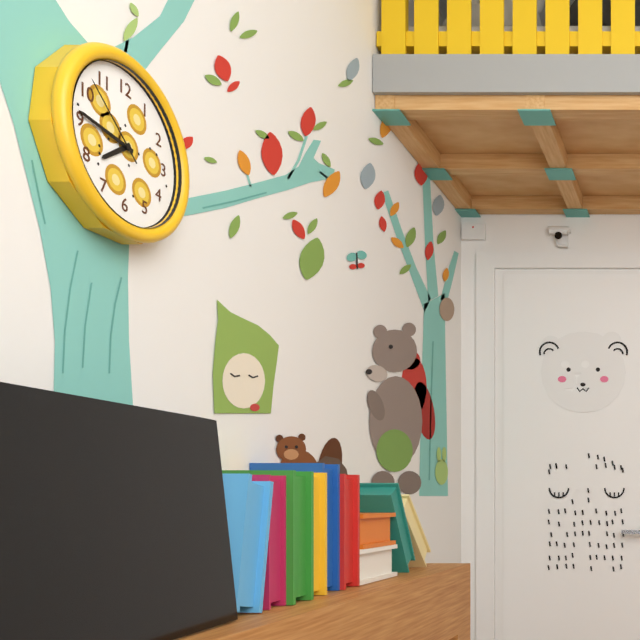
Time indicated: 7:46:52
